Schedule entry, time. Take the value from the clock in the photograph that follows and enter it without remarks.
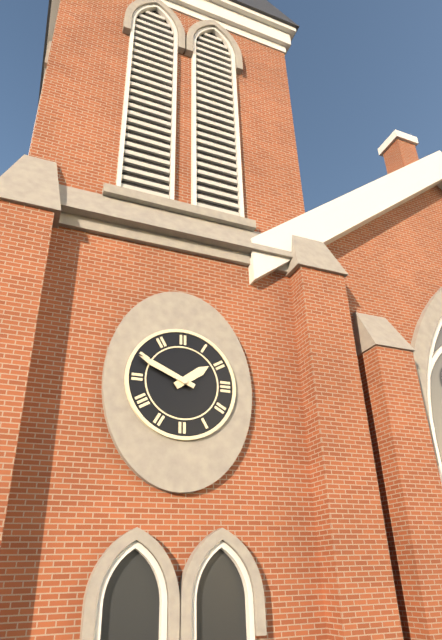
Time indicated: 1:49
